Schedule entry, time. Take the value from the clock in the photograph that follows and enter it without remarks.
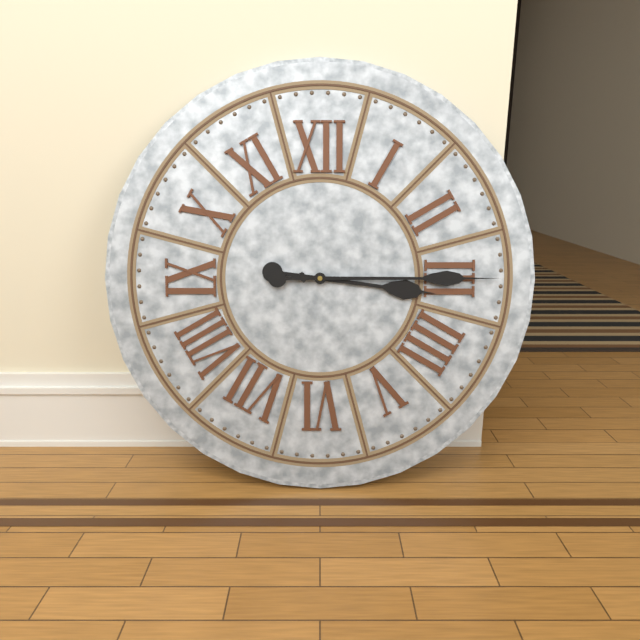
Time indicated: 3:15
